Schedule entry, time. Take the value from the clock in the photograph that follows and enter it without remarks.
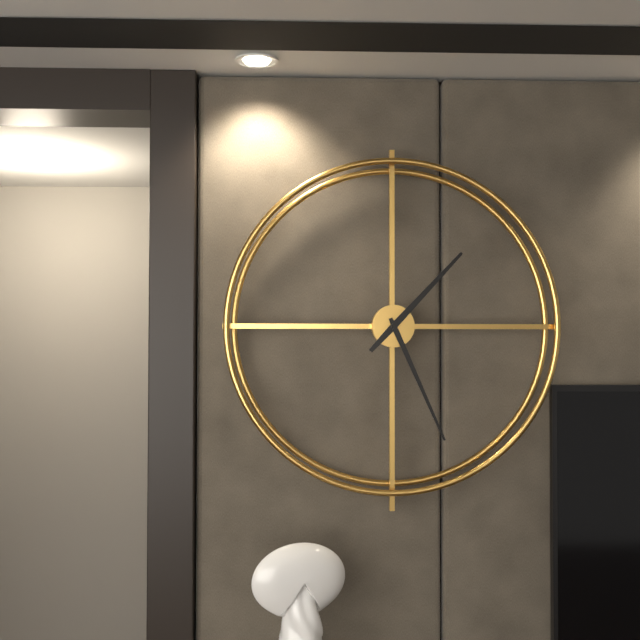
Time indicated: 1:26
